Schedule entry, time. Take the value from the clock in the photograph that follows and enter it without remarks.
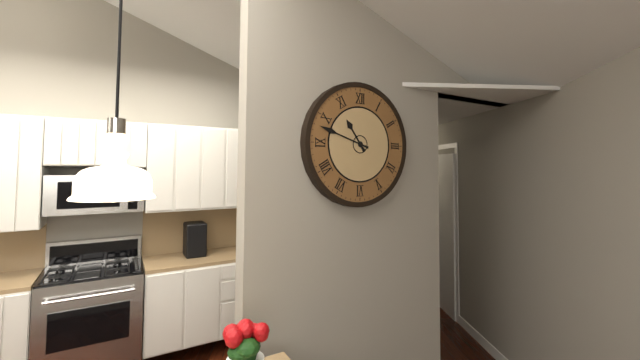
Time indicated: 10:48
